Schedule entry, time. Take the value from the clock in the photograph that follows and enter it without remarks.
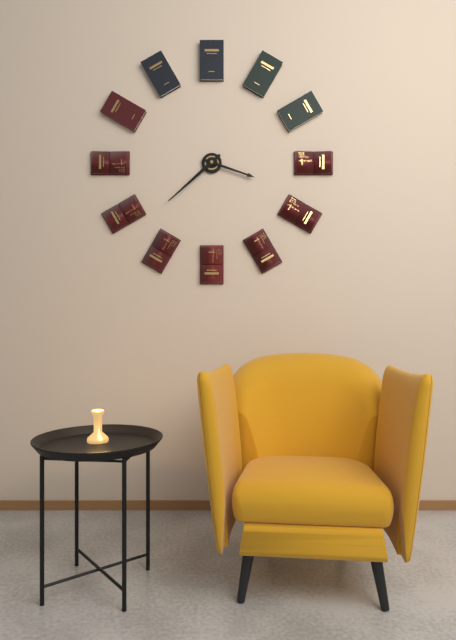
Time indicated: 3:38
